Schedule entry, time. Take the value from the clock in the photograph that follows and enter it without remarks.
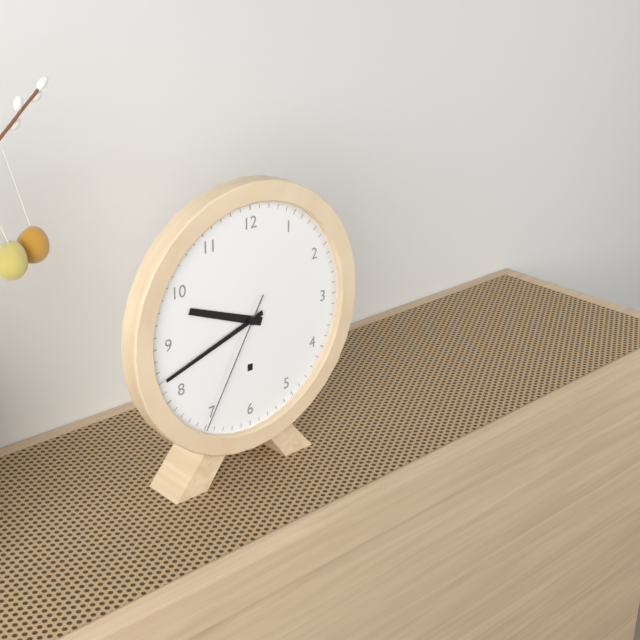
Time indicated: 9:42:35
